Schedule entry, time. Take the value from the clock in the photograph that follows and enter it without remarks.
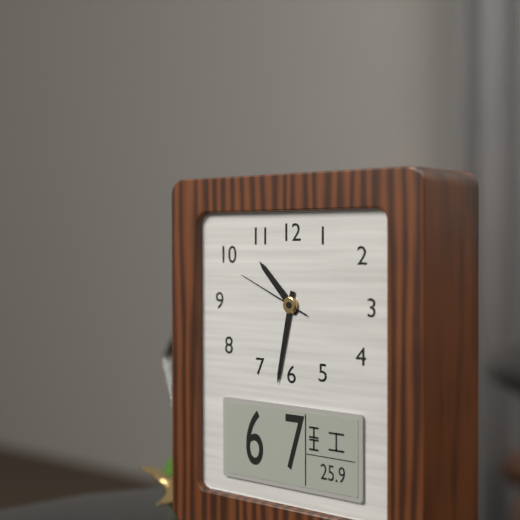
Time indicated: 10:32:49
